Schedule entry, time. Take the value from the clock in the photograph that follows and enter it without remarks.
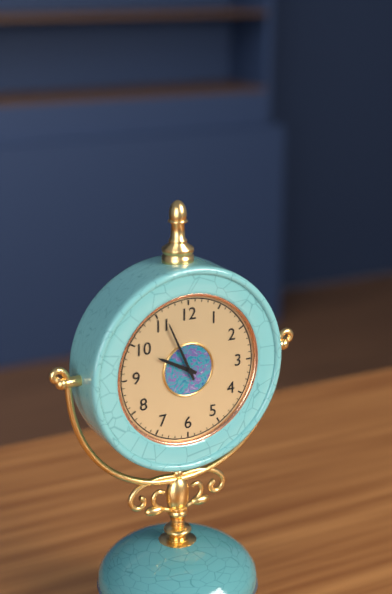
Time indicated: 9:56
